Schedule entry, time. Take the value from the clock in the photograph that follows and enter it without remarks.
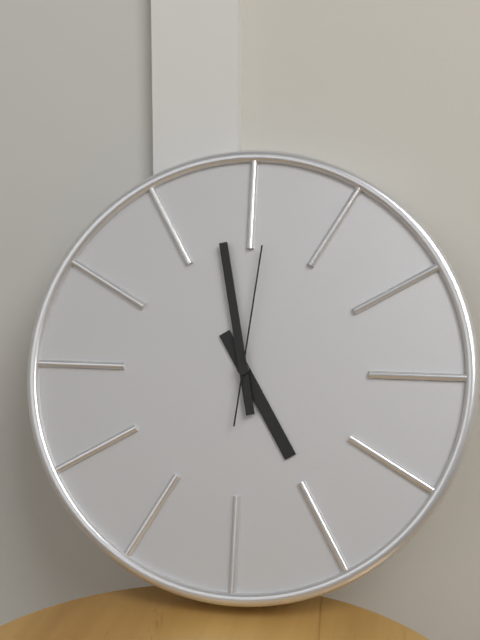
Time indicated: 4:58:01
